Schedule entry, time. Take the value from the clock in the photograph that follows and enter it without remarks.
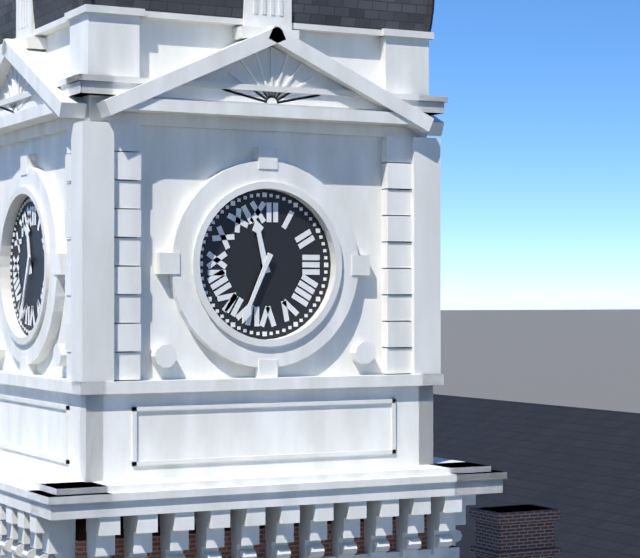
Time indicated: 11:34
